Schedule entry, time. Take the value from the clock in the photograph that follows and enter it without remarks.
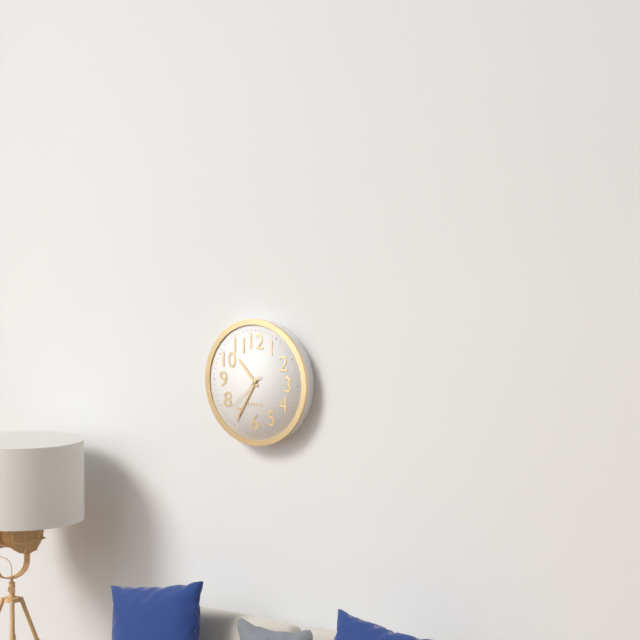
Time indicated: 10:35
